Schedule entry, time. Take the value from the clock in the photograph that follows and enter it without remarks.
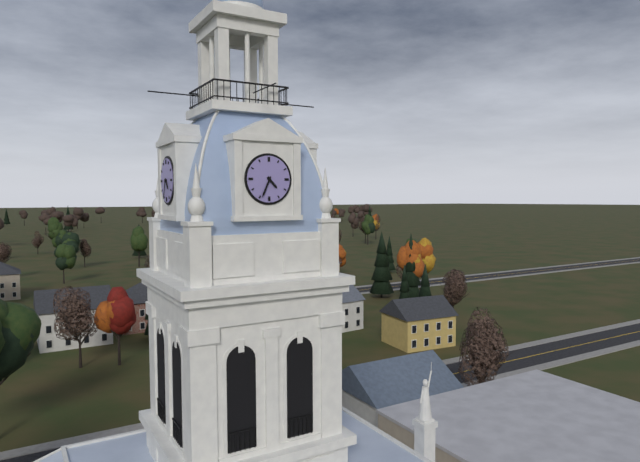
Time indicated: 4:34
